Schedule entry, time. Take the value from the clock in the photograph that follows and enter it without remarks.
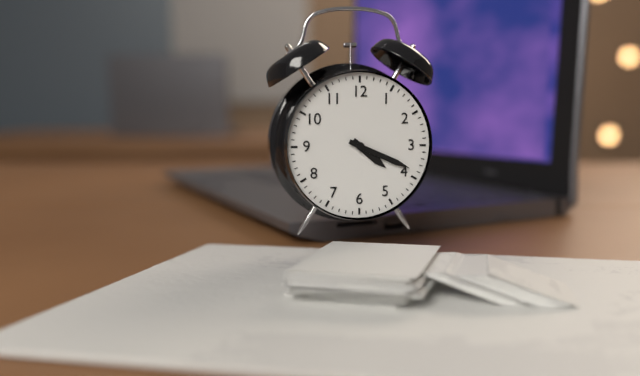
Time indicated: 4:19
